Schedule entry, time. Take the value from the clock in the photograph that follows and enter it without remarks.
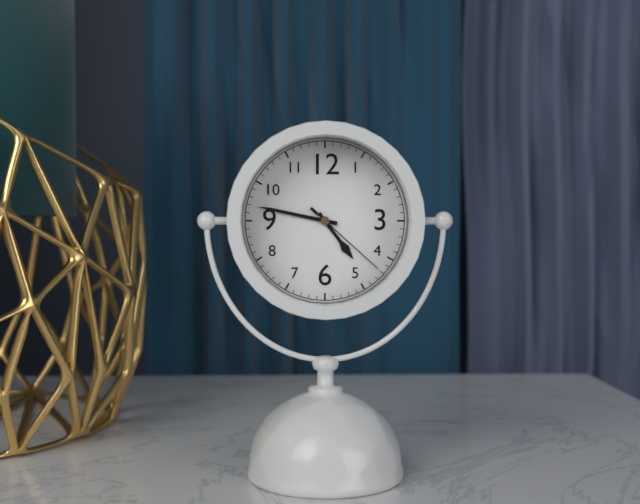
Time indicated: 4:47:22
